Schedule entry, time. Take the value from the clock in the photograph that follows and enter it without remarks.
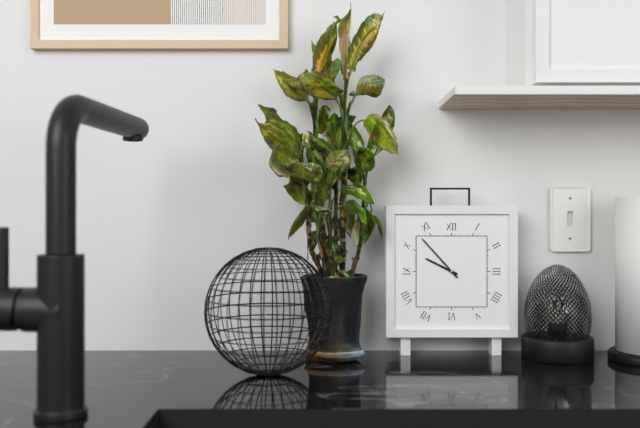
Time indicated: 9:53
